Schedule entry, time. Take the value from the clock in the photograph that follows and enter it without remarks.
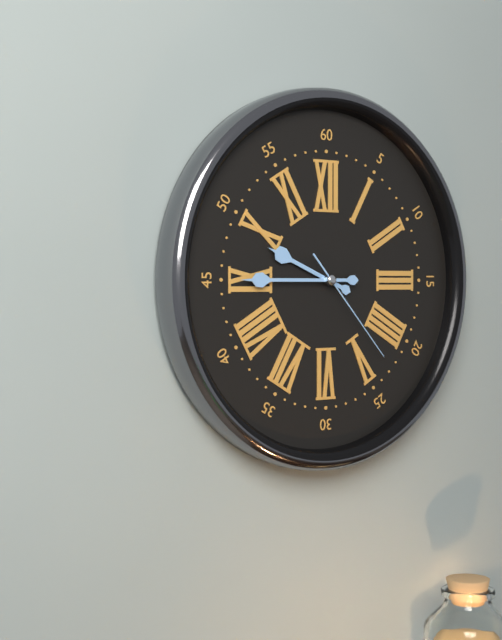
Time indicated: 9:45:23
